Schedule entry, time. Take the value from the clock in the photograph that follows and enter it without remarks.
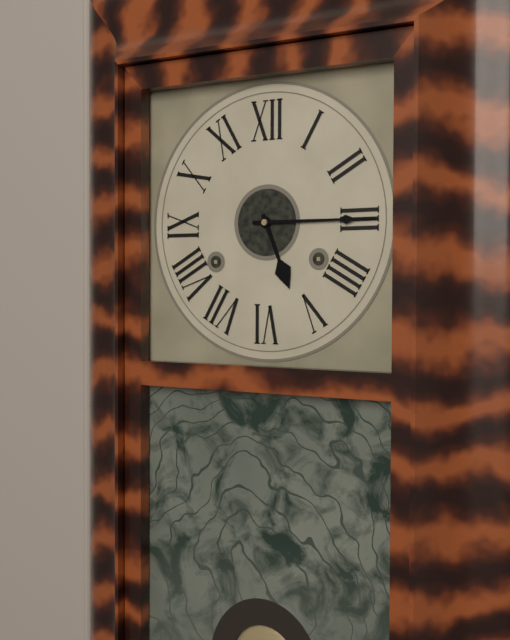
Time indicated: 5:15
